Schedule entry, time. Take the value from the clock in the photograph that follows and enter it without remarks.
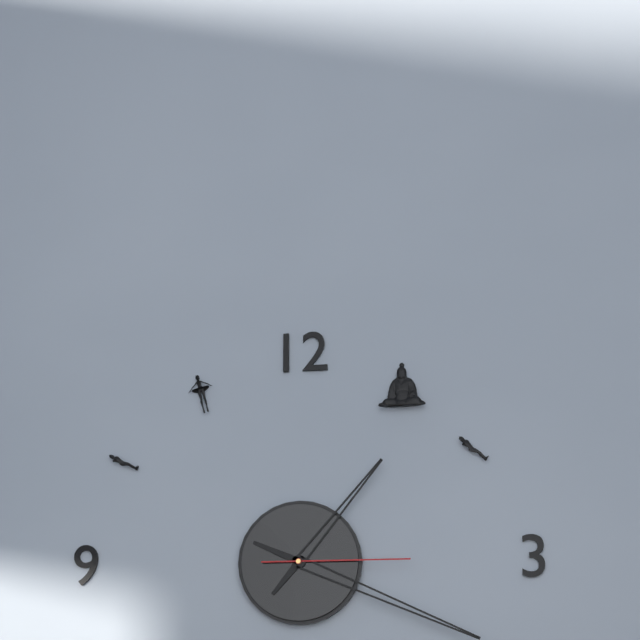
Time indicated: 1:19:15
